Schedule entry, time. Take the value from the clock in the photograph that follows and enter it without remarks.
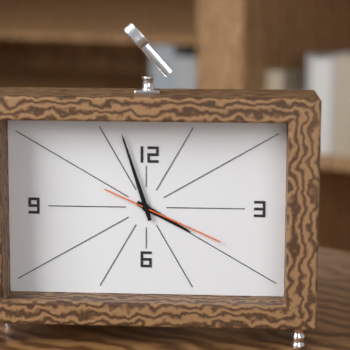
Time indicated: 3:57:19
